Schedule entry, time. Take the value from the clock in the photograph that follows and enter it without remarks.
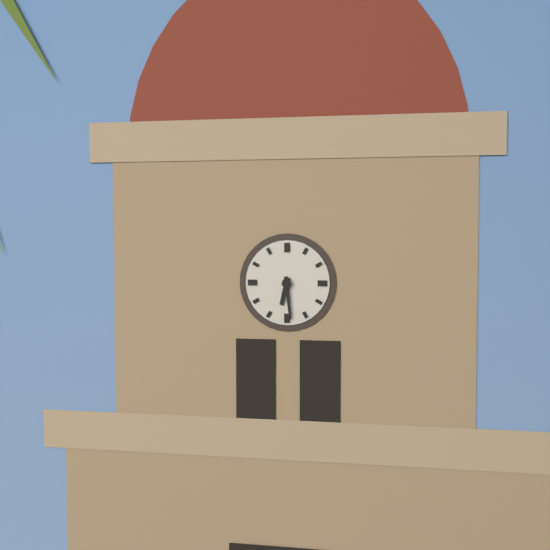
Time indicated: 6:29
